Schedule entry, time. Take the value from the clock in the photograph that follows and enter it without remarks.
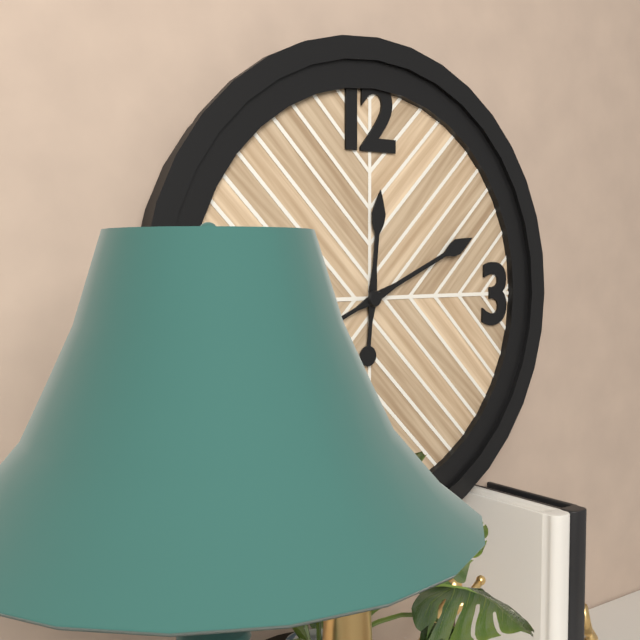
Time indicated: 12:11
